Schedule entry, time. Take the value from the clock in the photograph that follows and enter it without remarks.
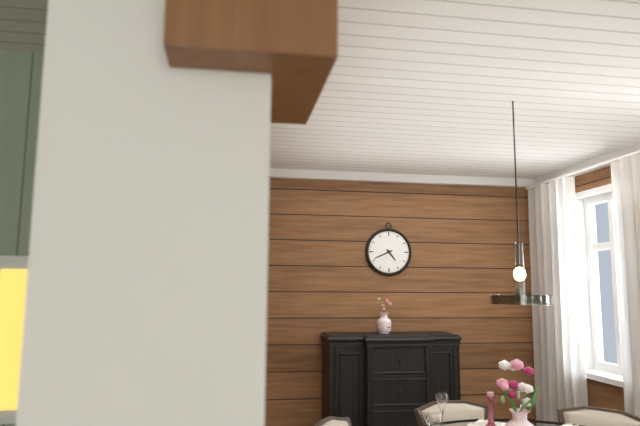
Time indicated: 4:41
